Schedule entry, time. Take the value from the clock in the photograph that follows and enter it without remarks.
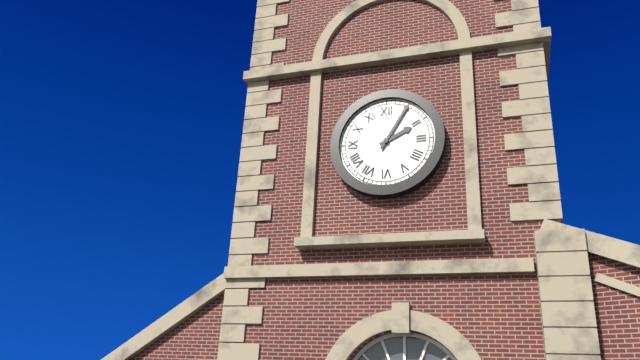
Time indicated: 2:05
